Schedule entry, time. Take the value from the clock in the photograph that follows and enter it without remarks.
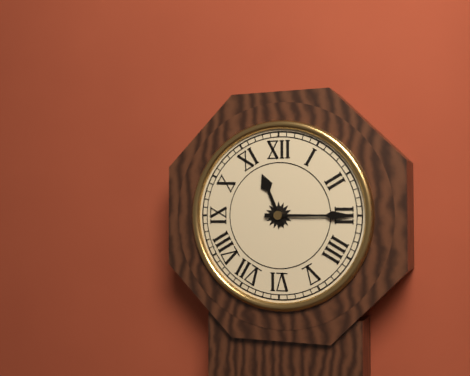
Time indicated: 11:15
